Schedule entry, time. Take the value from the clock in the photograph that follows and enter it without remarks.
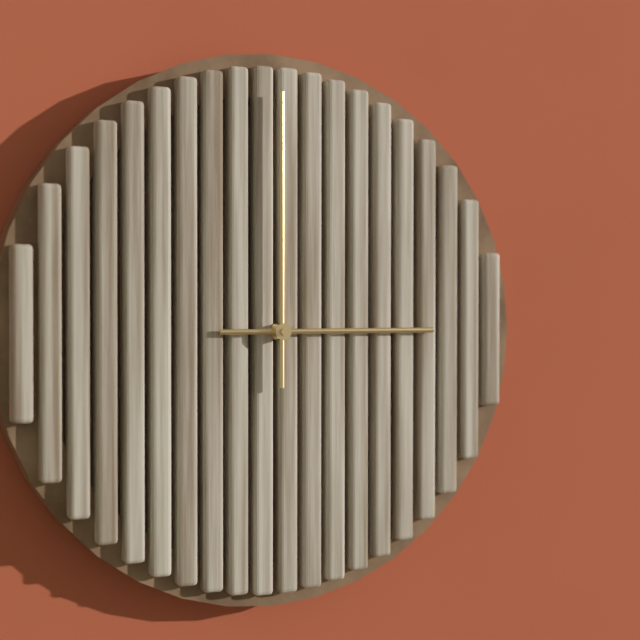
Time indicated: 3:00
